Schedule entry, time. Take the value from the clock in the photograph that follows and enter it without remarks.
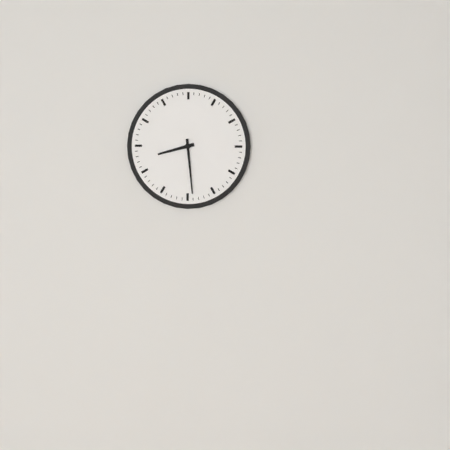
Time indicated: 8:29
